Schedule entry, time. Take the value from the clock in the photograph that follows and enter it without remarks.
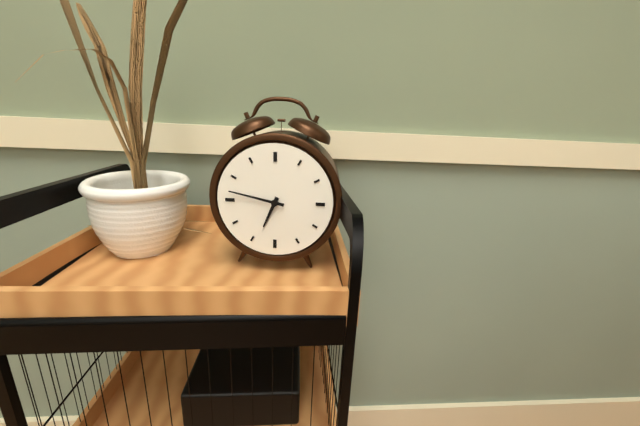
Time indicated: 6:47
